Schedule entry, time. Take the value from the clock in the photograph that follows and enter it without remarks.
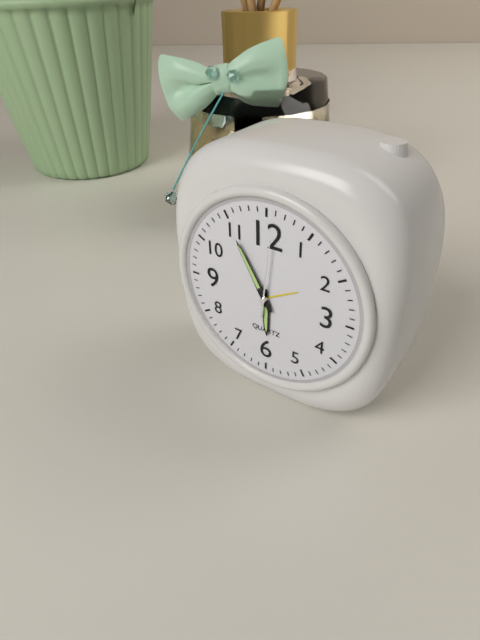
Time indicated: 5:55:01
